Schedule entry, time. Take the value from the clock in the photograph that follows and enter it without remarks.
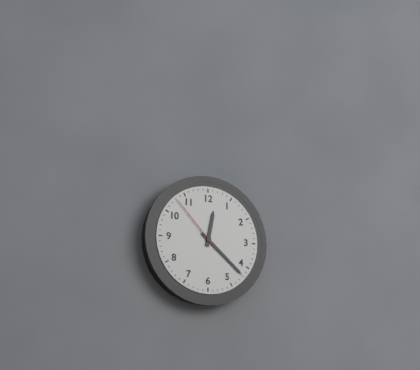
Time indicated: 12:22:53
